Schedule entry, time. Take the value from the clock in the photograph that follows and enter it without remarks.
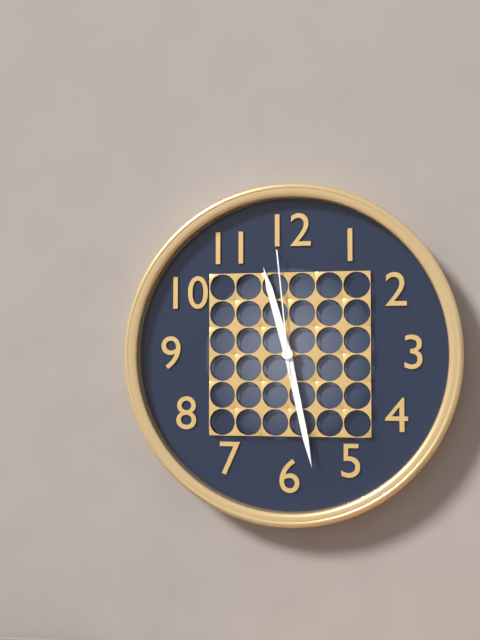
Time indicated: 11:28:59
